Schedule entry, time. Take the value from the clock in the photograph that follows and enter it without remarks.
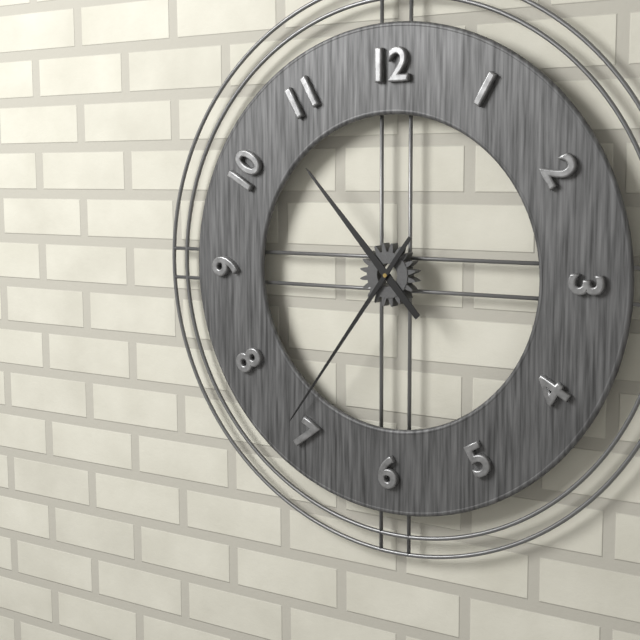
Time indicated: 10:36
